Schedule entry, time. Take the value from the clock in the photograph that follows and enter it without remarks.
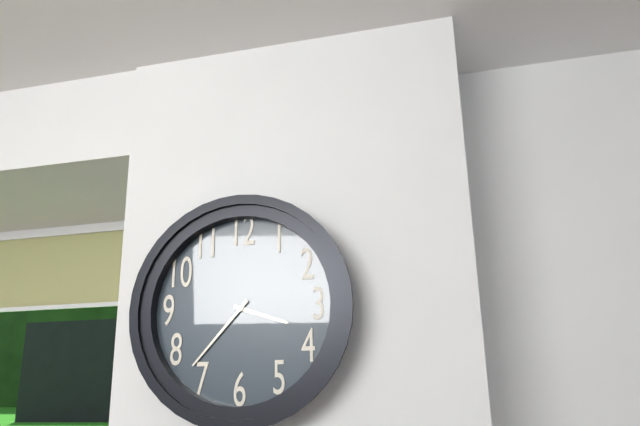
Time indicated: 3:37
